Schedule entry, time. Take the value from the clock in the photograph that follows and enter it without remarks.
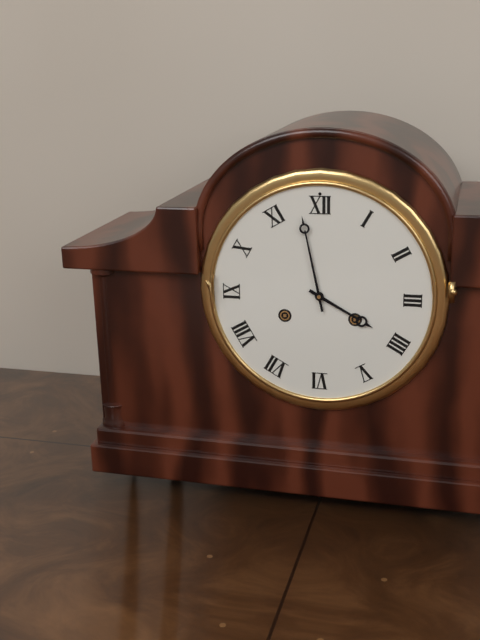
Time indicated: 3:58
